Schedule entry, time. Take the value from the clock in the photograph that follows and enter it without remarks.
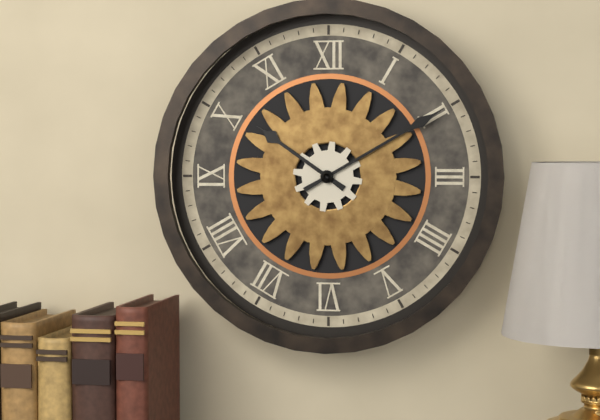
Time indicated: 10:10
